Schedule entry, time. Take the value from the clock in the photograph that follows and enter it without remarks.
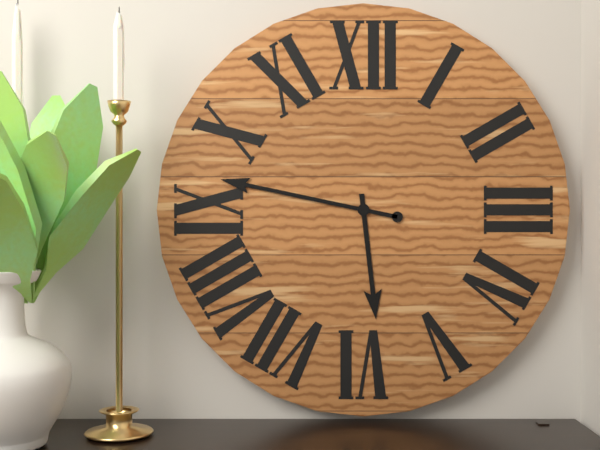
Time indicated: 5:47
